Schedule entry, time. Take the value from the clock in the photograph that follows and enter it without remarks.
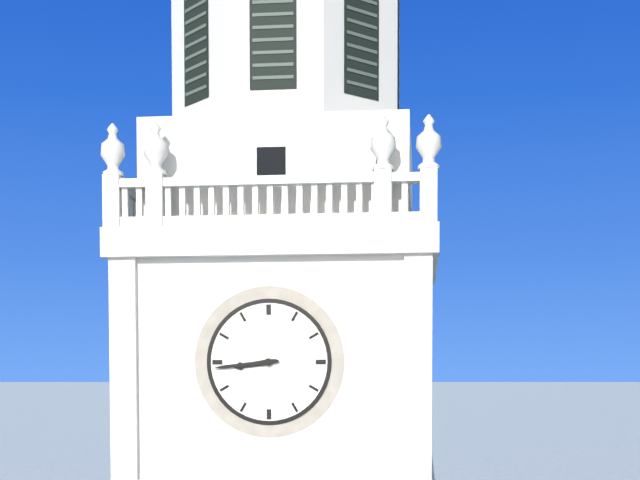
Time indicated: 8:44
